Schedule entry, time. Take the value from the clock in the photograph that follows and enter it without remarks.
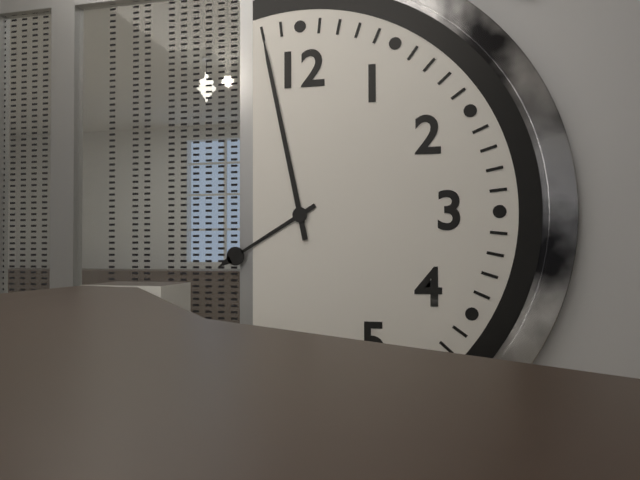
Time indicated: 7:58
